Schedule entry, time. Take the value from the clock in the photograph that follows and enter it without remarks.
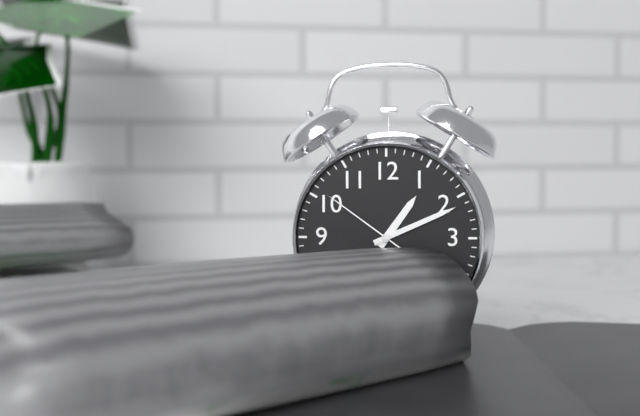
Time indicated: 1:11:51
